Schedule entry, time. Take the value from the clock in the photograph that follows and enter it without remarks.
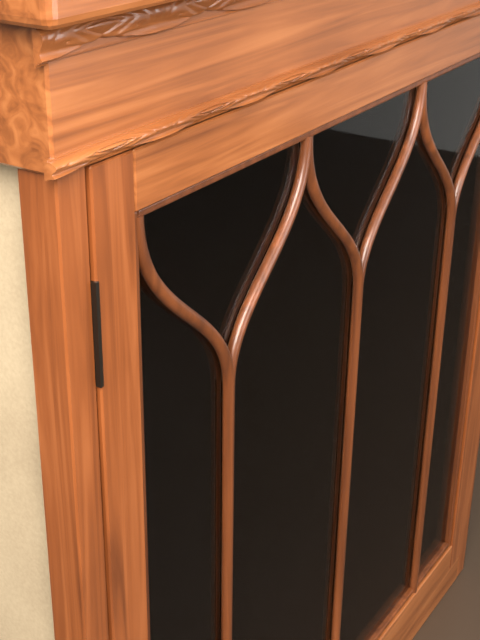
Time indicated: 9:21
